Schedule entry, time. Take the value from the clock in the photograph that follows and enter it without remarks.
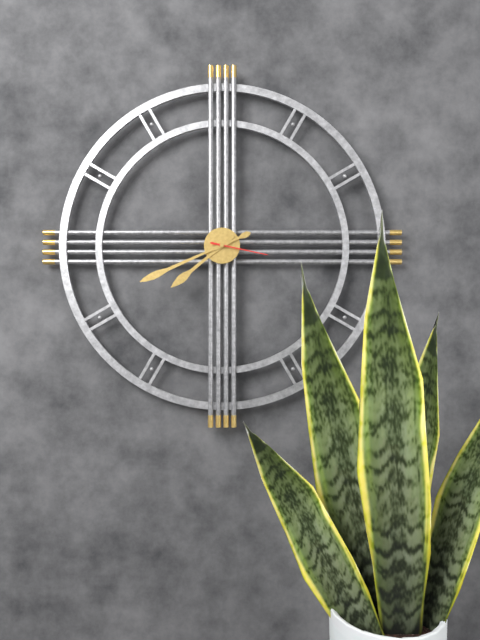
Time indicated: 7:41:17
